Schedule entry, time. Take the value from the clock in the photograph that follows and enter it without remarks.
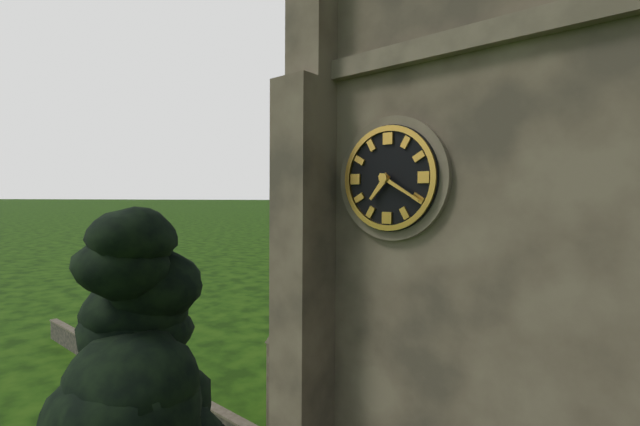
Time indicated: 7:20
